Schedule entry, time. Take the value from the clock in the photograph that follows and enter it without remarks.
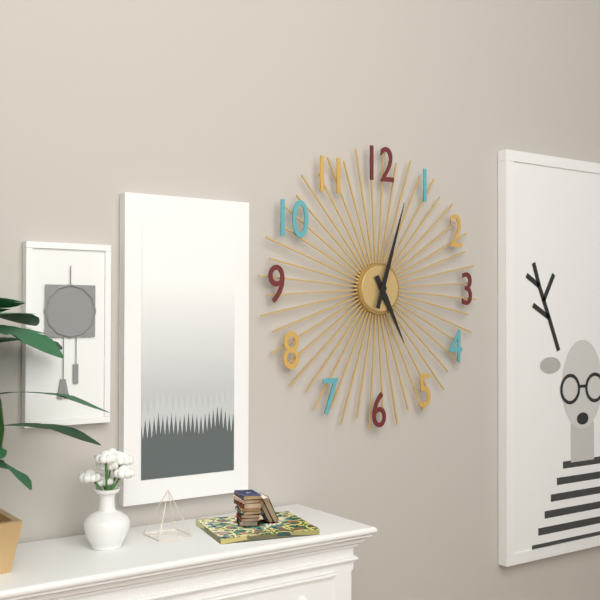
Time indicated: 5:03
